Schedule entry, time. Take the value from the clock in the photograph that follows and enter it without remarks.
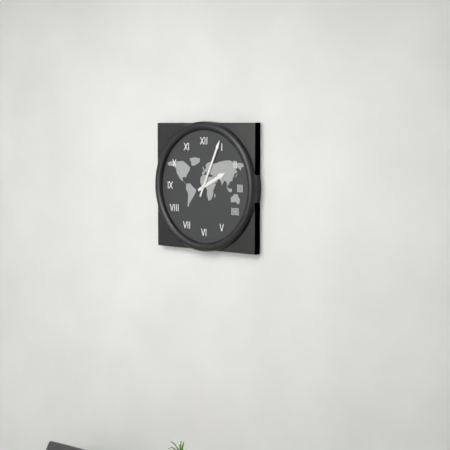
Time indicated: 2:04
